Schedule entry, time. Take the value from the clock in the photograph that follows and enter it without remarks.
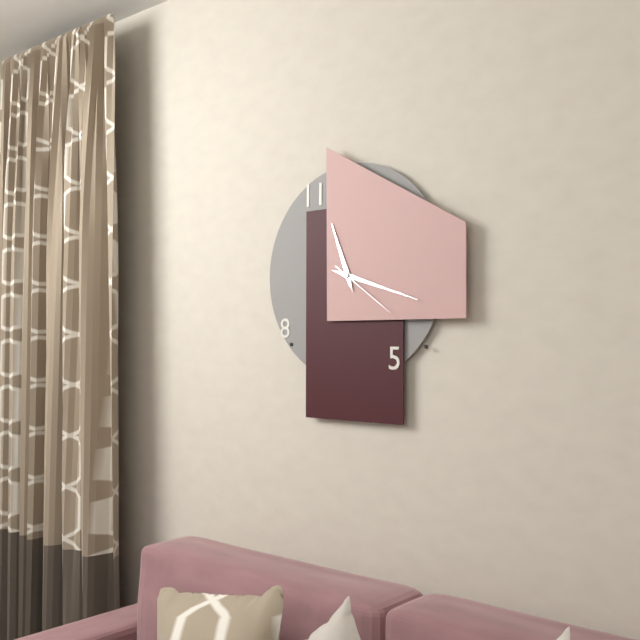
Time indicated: 11:18:21
